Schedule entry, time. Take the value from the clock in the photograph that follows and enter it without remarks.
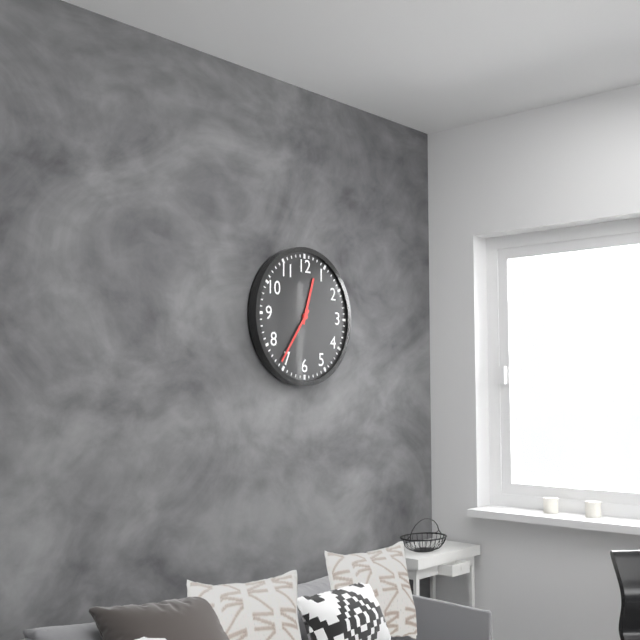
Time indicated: 12:36
